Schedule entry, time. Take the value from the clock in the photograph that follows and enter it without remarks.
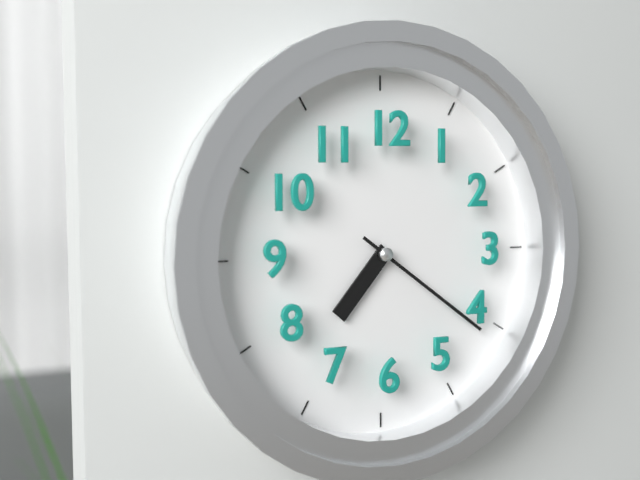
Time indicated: 7:21
